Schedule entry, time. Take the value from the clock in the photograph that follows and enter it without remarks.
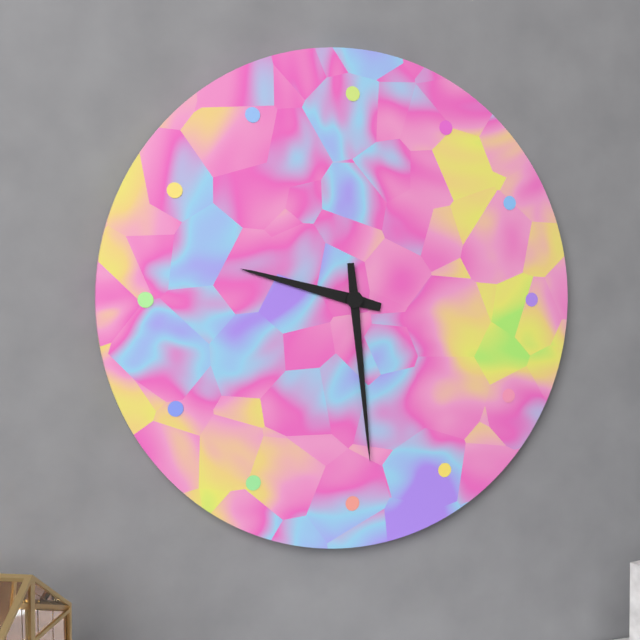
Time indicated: 9:29
